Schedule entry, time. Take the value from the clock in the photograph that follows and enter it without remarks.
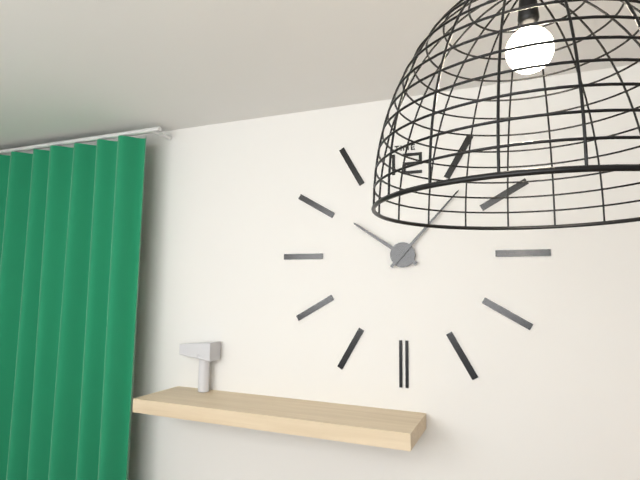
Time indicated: 10:07
